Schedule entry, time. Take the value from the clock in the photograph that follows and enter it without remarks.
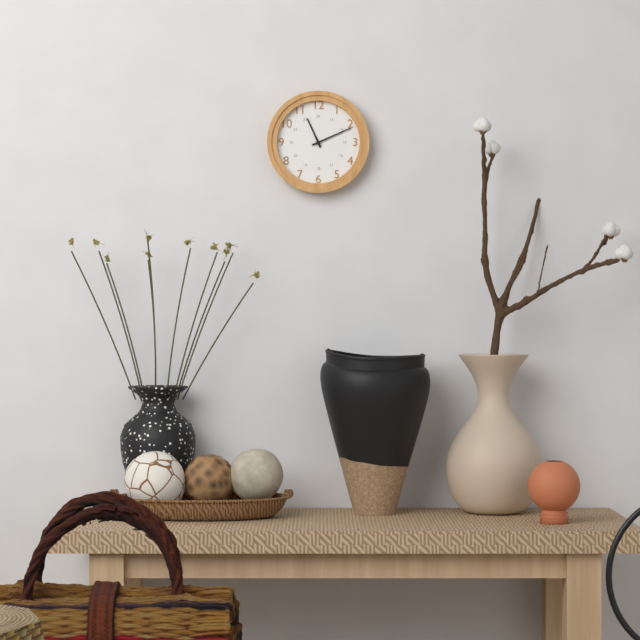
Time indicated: 11:11
